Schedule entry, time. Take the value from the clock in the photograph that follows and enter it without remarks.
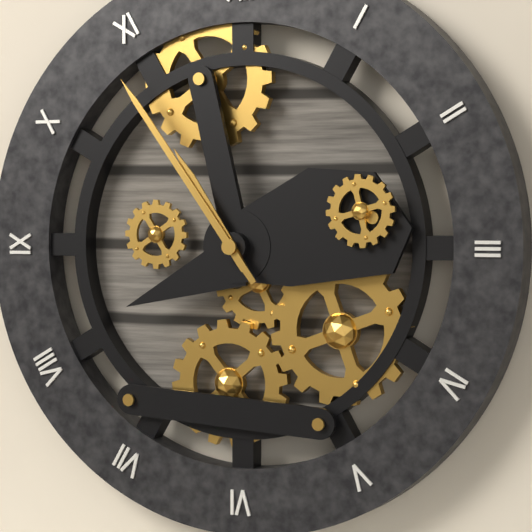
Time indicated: 10:54
